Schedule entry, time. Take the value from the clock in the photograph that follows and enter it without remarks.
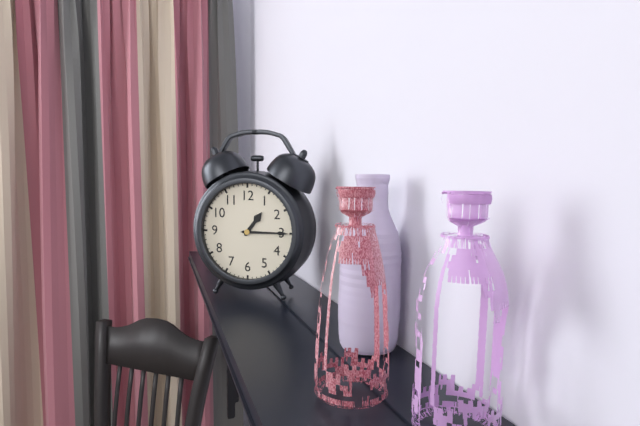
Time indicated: 1:15
